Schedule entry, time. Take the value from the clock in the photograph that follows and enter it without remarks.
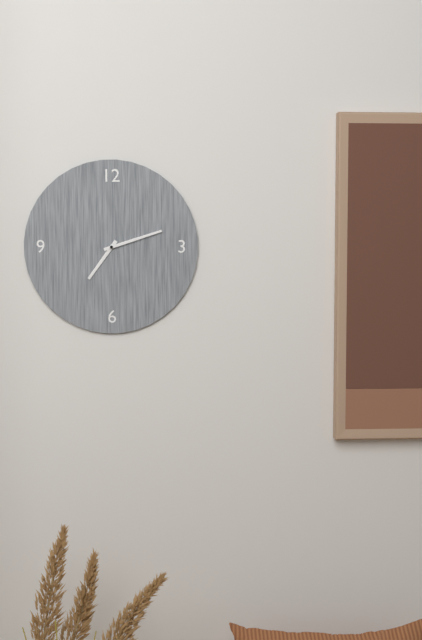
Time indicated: 7:12
